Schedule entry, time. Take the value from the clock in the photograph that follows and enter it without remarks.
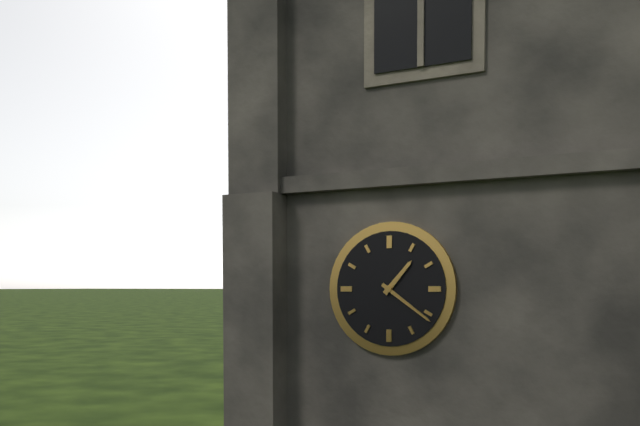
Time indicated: 1:21
